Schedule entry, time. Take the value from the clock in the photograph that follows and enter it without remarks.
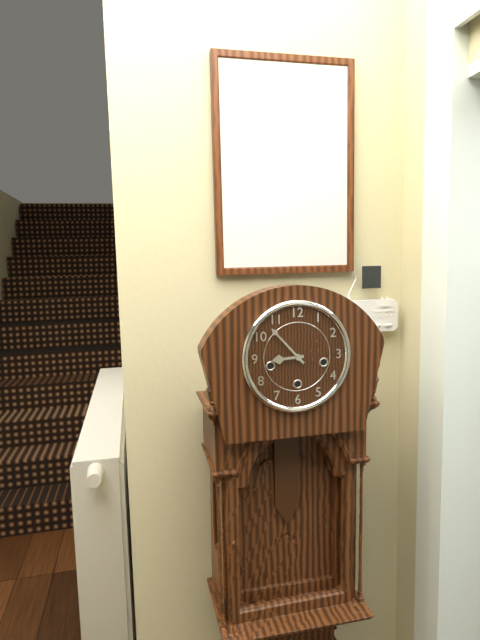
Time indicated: 8:53
